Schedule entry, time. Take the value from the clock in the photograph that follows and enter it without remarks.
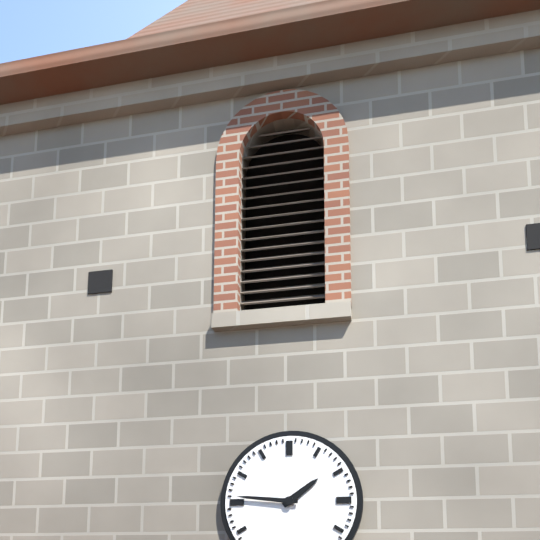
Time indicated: 1:46
